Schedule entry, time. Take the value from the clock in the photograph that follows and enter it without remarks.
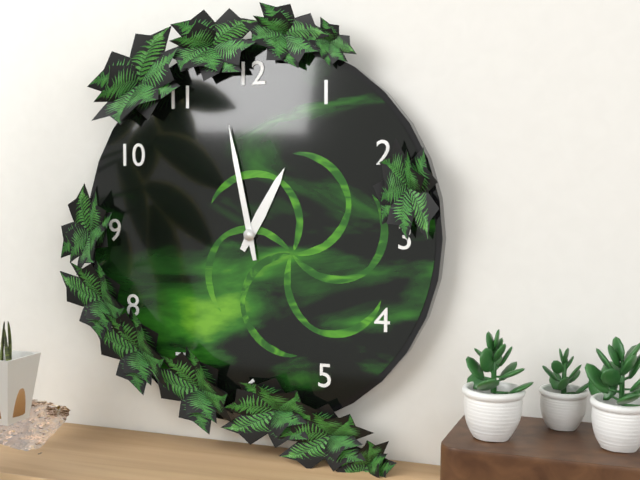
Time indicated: 12:58
